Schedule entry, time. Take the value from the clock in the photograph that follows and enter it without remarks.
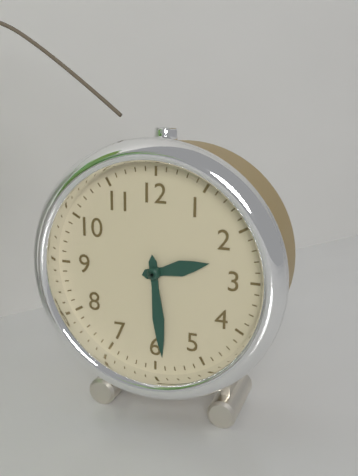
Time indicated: 2:29
